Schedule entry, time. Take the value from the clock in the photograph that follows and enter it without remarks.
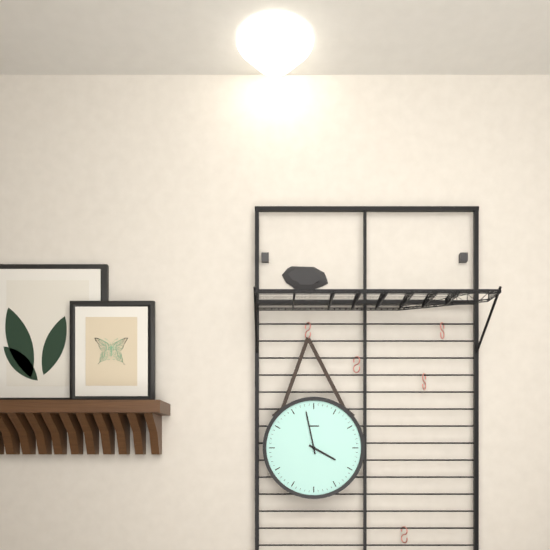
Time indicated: 3:58
